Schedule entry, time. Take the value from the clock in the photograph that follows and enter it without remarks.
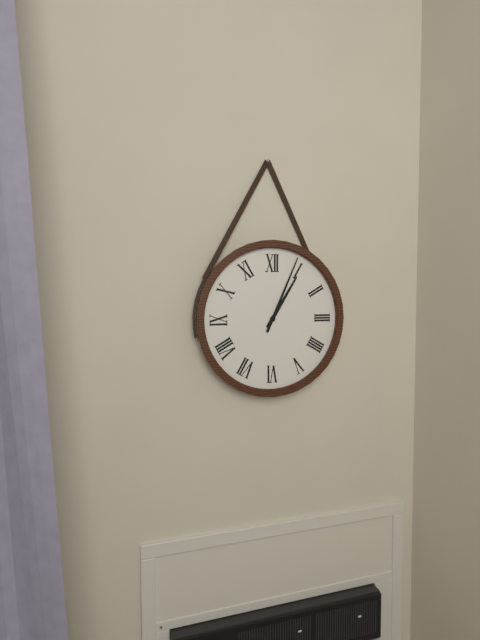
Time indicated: 1:04
